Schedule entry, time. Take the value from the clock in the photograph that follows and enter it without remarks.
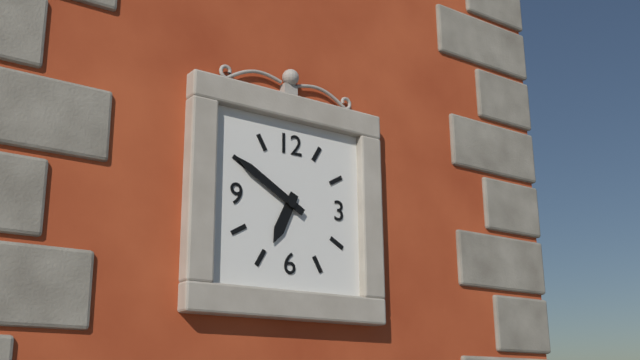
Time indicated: 6:50
